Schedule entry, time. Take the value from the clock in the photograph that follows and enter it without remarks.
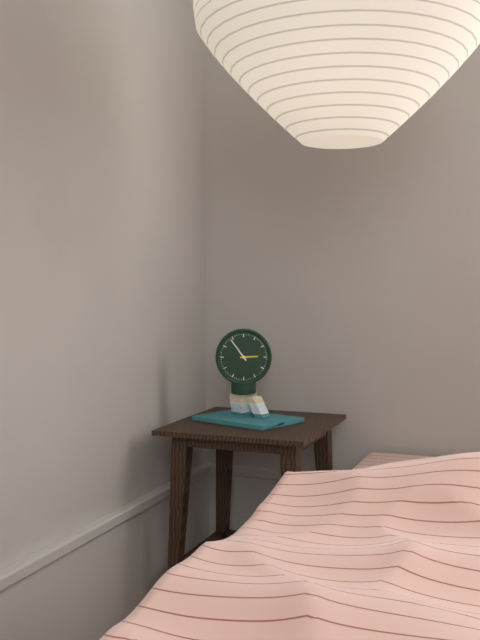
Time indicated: 2:54
